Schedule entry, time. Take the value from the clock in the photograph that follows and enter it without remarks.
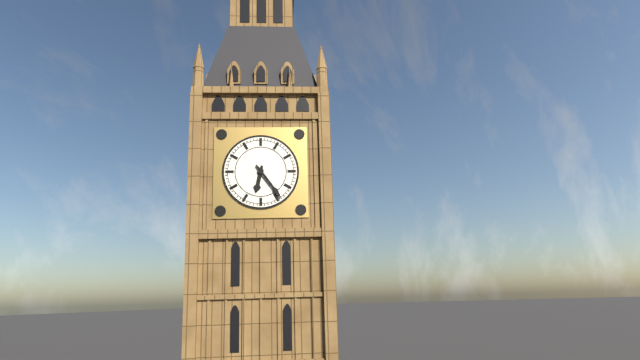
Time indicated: 6:24
